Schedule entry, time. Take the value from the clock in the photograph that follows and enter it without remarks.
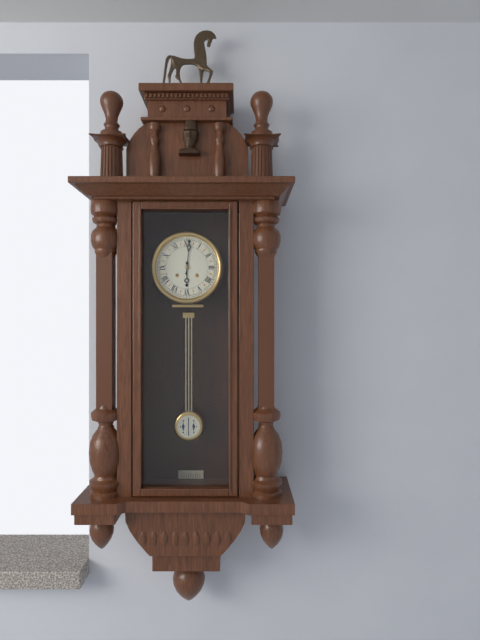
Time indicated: 6:01
